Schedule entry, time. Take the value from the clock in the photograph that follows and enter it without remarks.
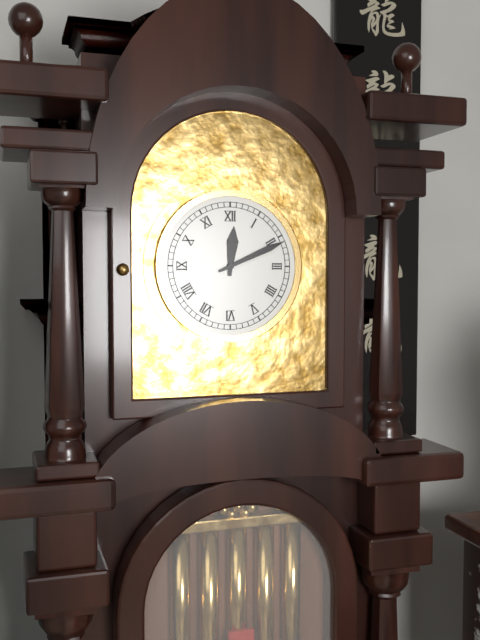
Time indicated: 12:11
